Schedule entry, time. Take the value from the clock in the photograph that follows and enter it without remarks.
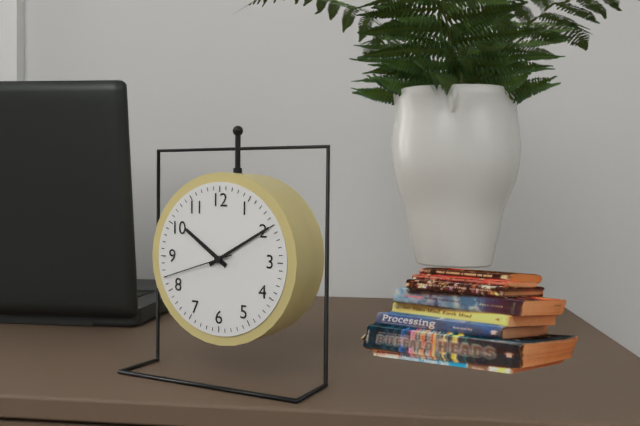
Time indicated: 10:10:42
